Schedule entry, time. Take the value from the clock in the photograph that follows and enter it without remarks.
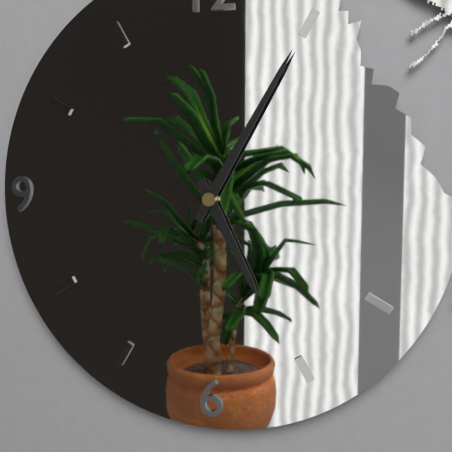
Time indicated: 5:05
